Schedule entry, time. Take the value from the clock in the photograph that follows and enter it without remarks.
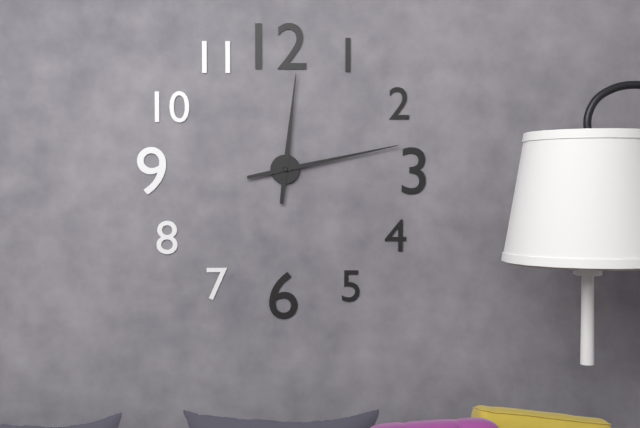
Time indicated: 12:13
